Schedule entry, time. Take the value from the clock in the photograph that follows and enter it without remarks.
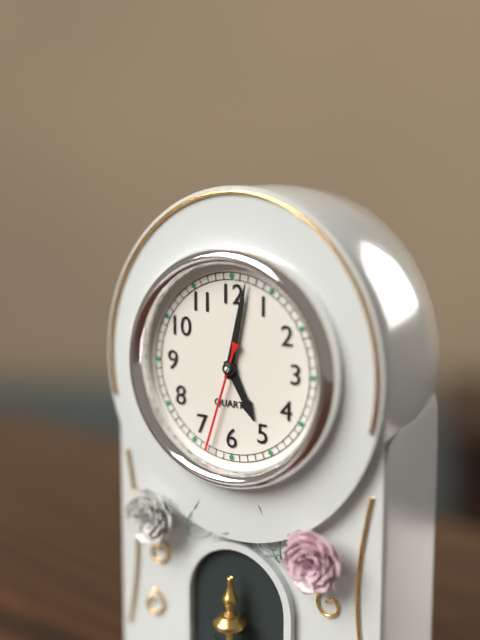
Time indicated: 5:02:33
